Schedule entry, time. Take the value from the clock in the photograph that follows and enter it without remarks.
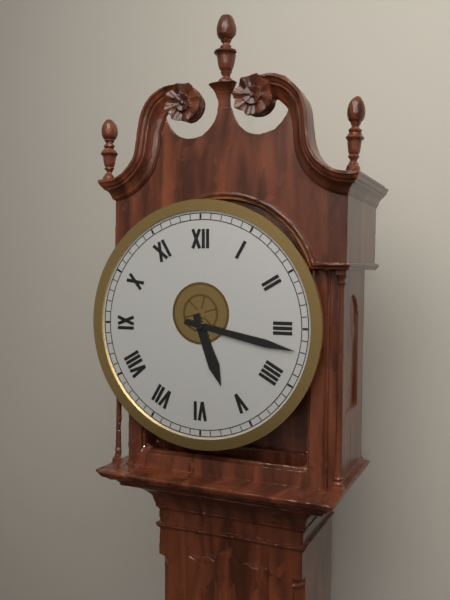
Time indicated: 5:17
